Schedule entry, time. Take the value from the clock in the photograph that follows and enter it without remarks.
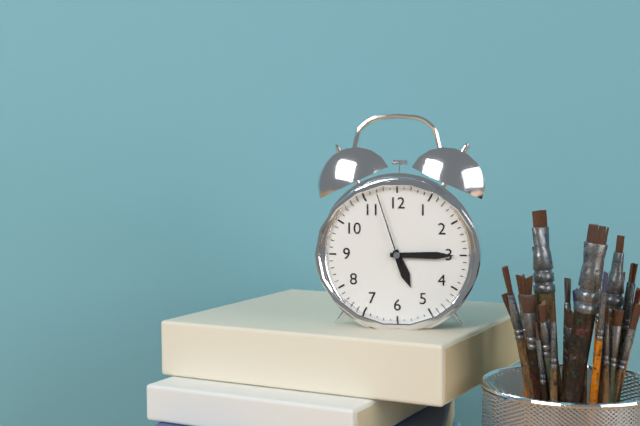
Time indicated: 5:15:57
